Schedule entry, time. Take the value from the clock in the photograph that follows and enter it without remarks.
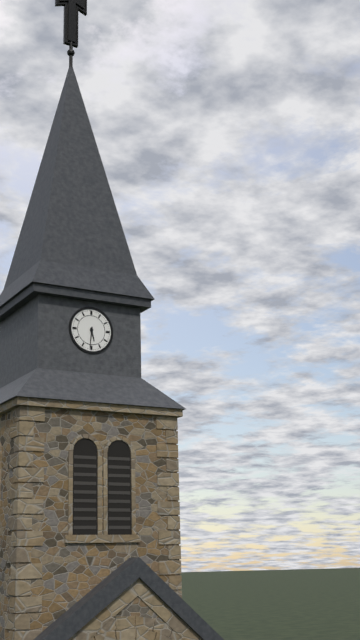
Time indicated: 5:31
